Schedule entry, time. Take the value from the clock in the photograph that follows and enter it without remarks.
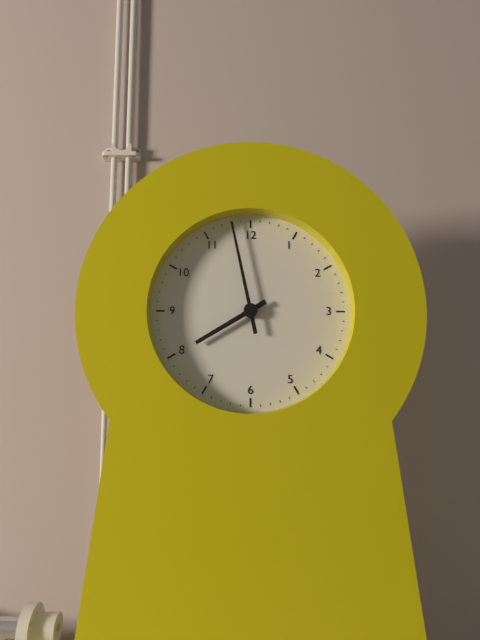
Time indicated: 7:58
